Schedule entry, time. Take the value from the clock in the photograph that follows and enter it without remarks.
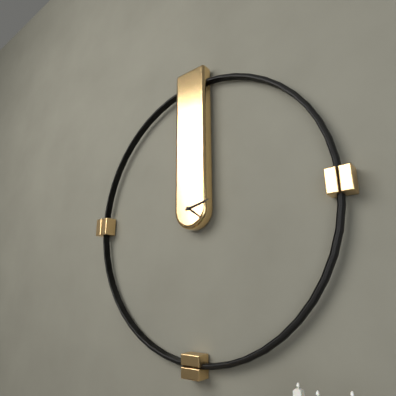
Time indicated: 4:13
